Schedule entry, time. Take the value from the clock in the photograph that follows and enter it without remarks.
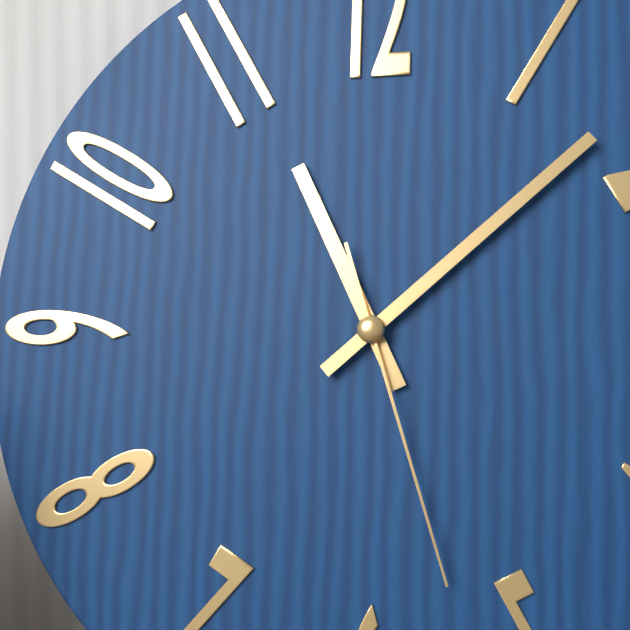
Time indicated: 11:08:27
